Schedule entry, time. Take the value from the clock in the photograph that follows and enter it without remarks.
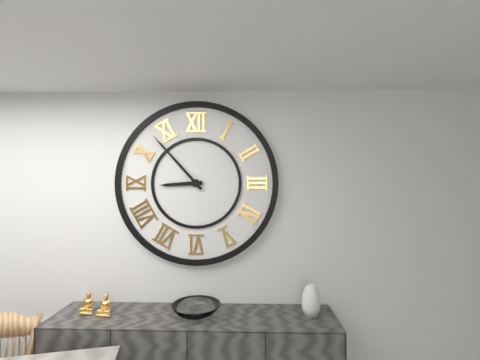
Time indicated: 8:53
